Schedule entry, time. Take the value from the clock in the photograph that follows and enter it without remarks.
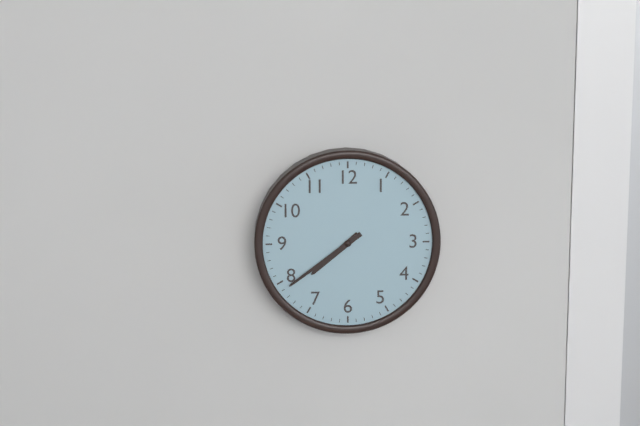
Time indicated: 7:39
